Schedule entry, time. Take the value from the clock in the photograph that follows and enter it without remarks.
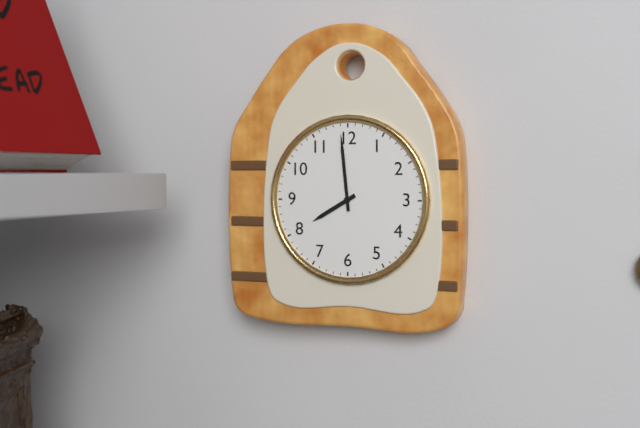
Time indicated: 7:59
